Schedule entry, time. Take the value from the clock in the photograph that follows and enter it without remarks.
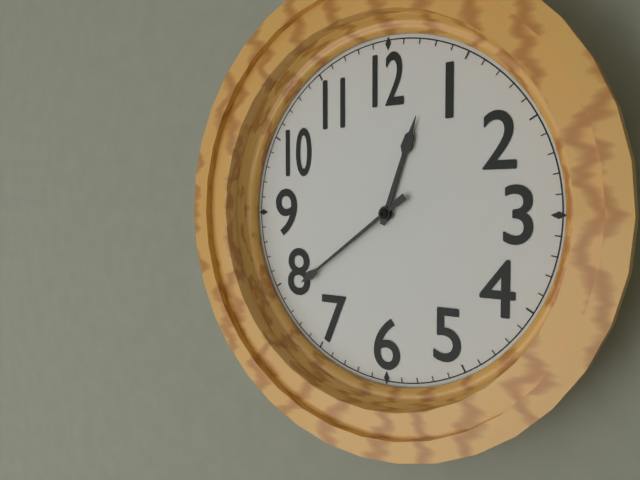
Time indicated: 12:39
